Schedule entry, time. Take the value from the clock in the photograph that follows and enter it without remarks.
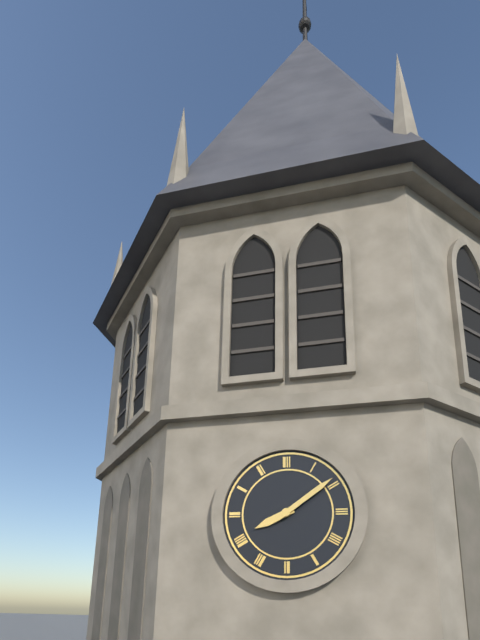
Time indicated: 8:09
